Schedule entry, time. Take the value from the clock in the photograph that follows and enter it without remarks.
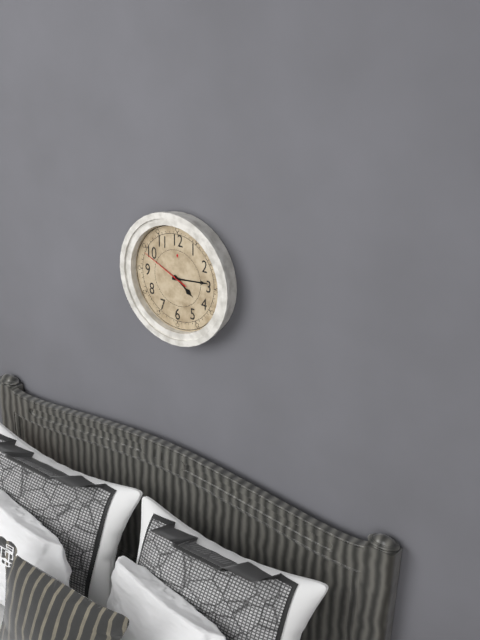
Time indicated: 4:14:49
